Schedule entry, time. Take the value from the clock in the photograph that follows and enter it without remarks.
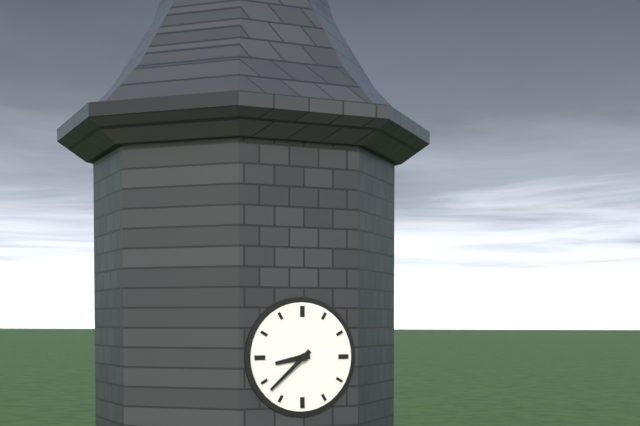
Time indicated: 8:38
